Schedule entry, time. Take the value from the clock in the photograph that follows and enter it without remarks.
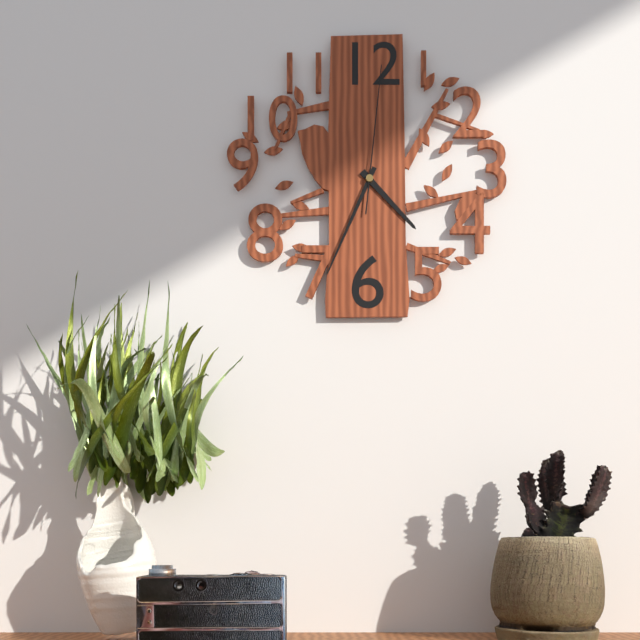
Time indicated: 4:34:01
